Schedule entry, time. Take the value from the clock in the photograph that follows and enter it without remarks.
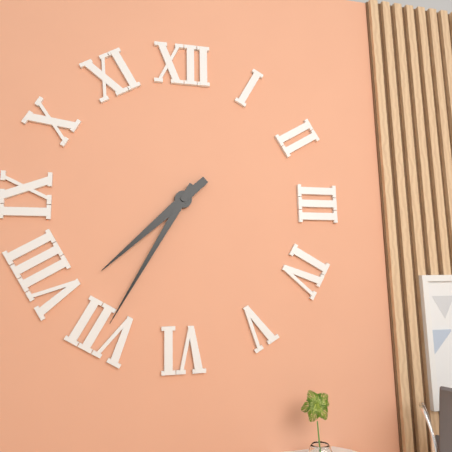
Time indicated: 7:35
